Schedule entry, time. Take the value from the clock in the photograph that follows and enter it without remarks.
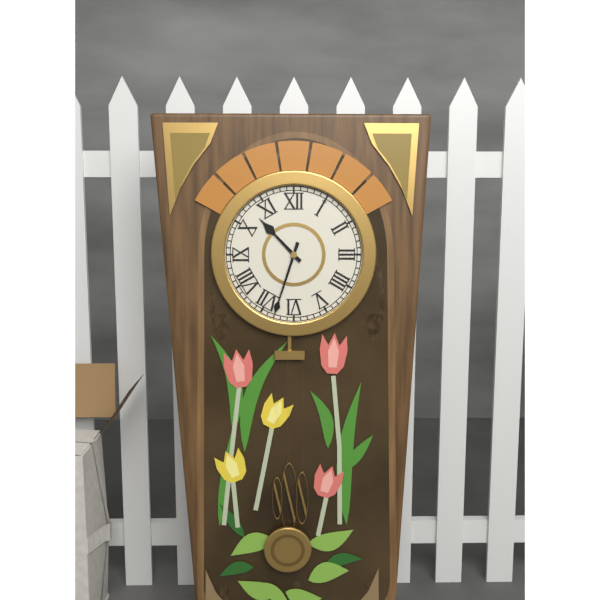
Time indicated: 10:33
